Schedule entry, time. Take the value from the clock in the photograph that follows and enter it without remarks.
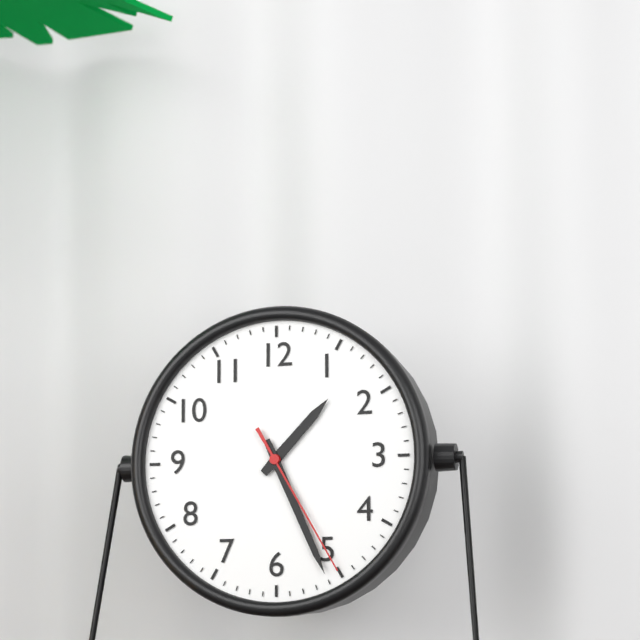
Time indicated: 1:26:25
